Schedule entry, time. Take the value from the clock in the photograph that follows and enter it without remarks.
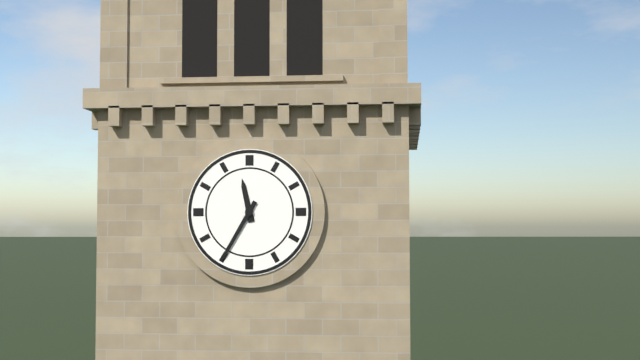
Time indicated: 11:35
